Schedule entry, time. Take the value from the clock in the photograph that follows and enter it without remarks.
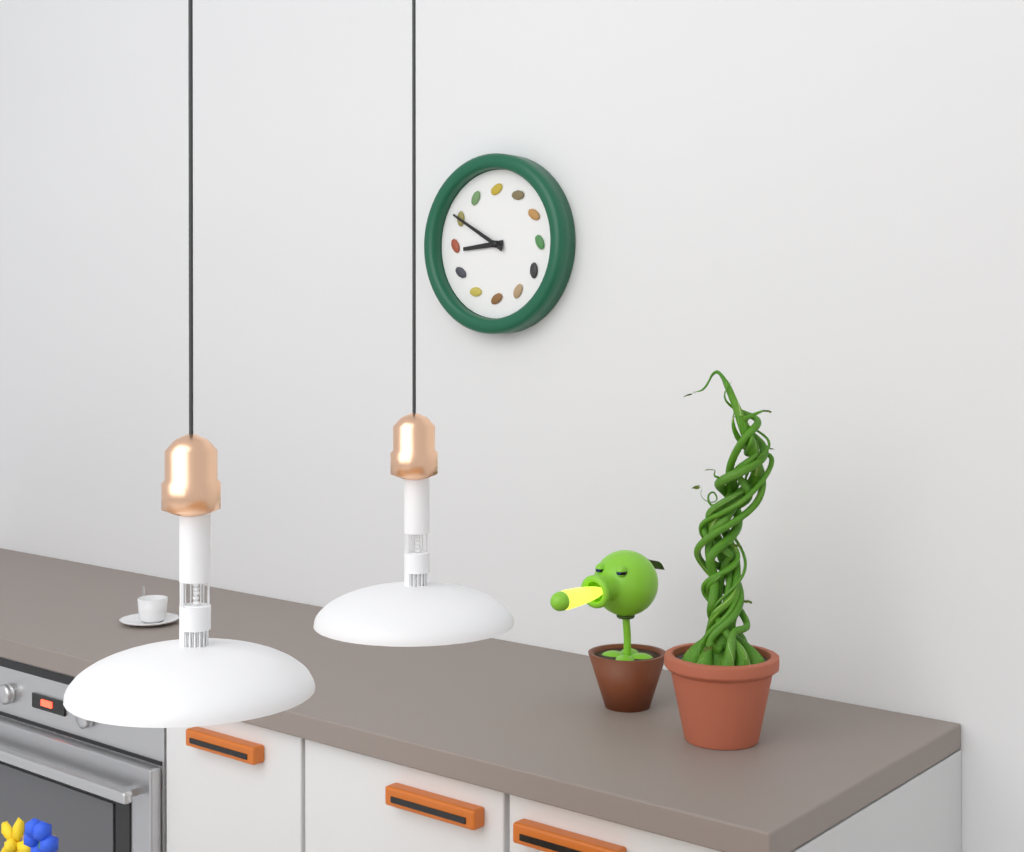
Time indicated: 8:50
